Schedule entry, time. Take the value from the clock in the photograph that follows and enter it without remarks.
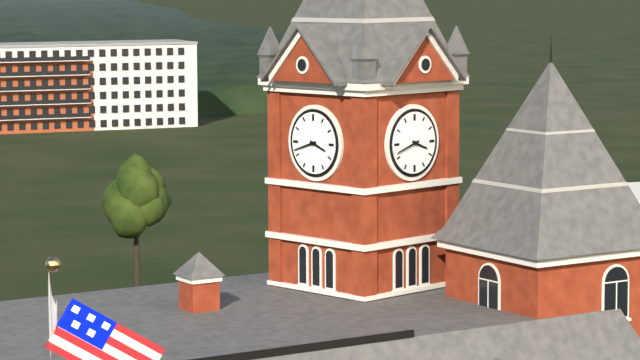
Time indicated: 3:42
